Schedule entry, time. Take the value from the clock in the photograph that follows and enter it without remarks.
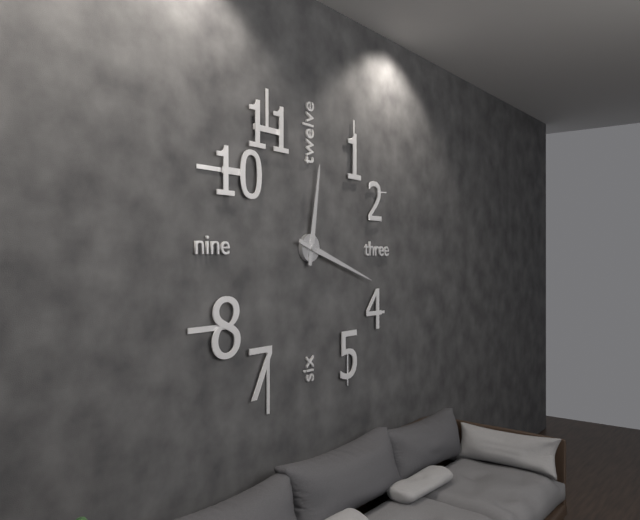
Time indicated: 12:18
